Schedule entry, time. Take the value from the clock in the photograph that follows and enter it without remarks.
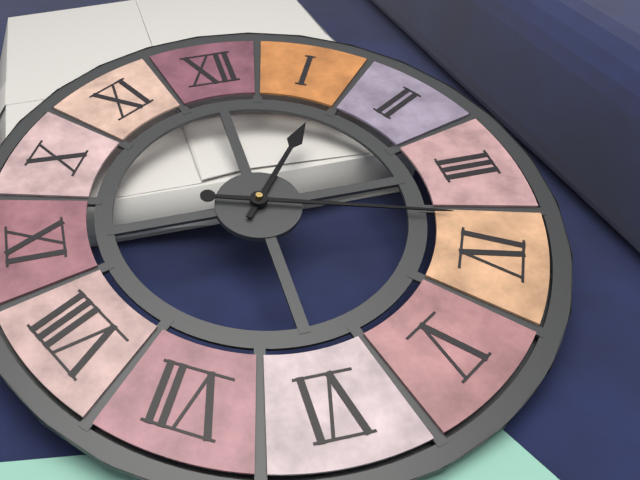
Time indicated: 1:18
